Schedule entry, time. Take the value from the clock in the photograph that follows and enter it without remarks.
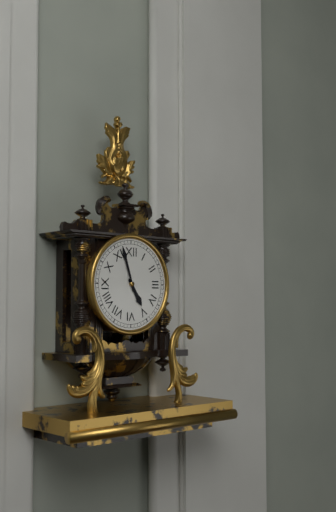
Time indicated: 4:57
